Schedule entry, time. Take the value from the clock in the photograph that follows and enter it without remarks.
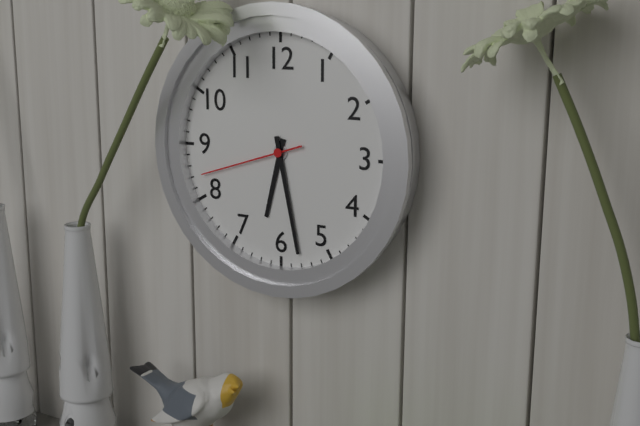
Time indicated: 6:28:42
